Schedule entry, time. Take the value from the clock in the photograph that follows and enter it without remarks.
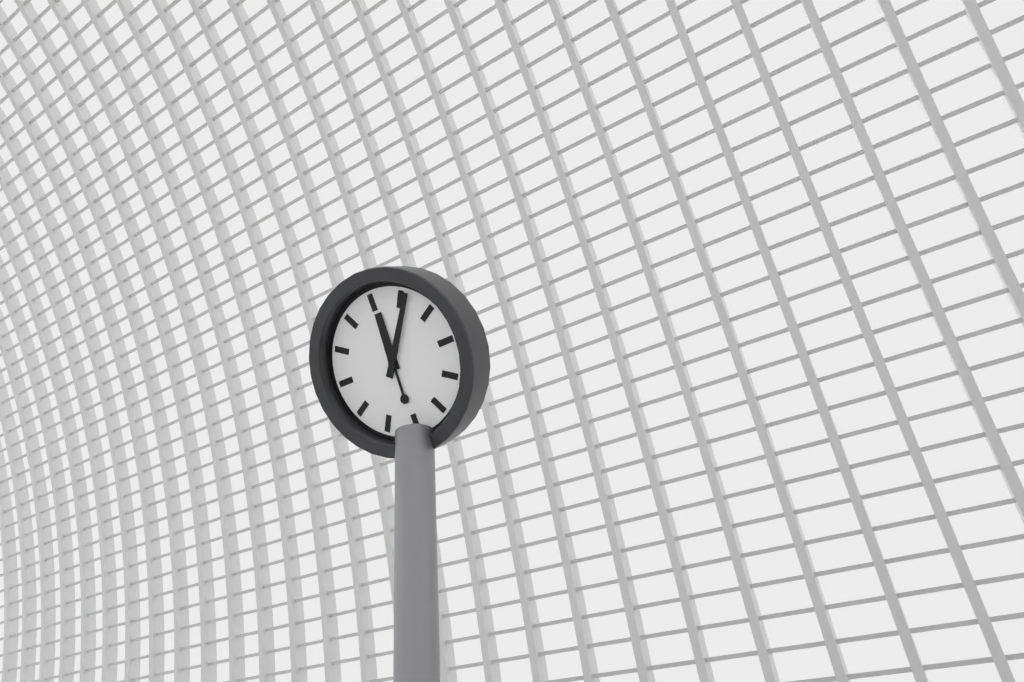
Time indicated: 12:06
